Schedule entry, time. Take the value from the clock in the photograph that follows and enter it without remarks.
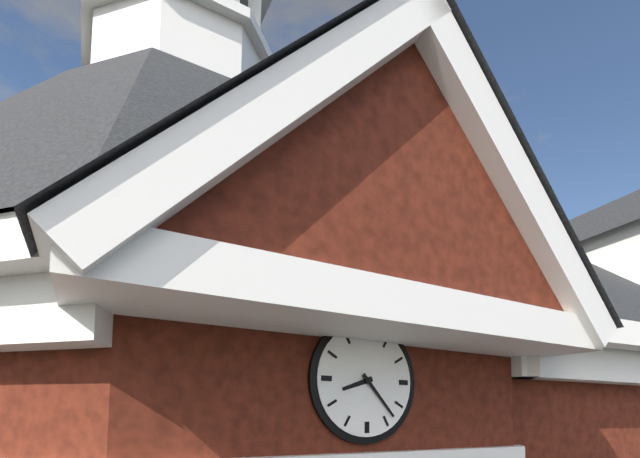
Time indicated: 8:23
